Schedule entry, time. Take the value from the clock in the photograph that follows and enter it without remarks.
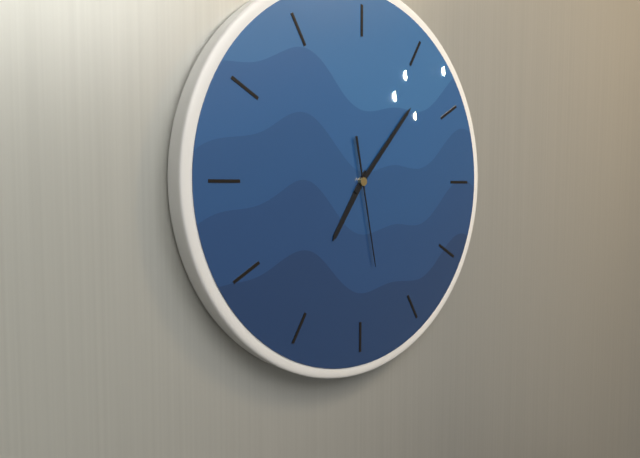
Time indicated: 7:07:28
